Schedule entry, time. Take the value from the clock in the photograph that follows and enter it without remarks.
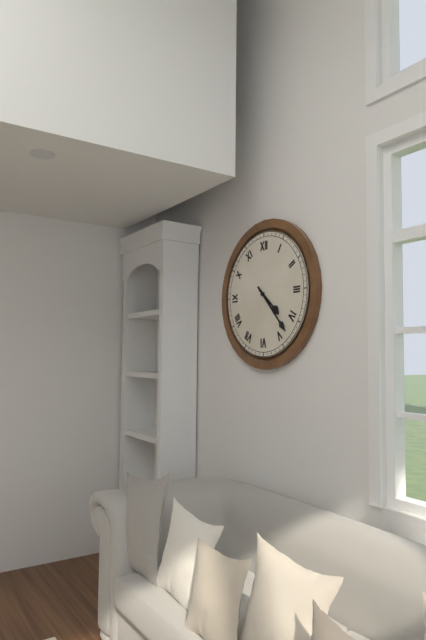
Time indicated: 4:23
